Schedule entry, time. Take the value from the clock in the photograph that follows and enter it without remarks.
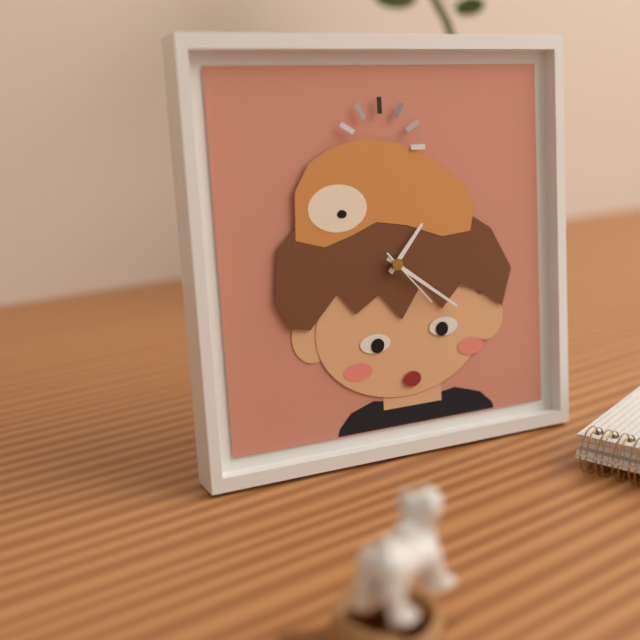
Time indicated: 1:21:23
